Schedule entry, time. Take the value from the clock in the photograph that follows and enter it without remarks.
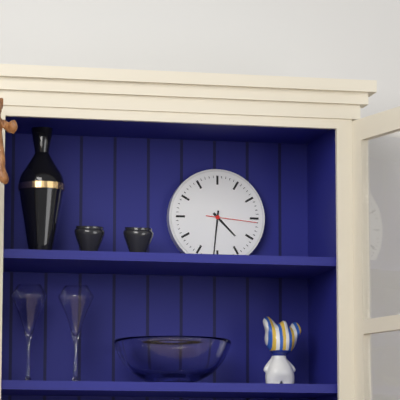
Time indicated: 4:31:16
